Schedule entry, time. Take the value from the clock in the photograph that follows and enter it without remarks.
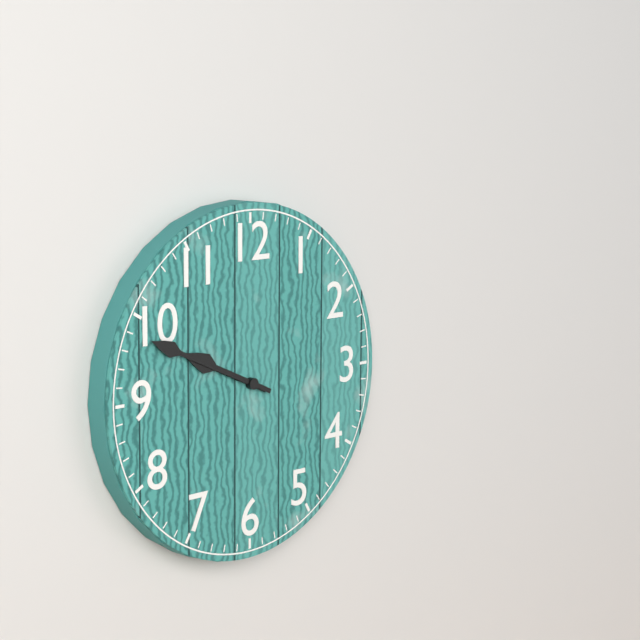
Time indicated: 9:49
